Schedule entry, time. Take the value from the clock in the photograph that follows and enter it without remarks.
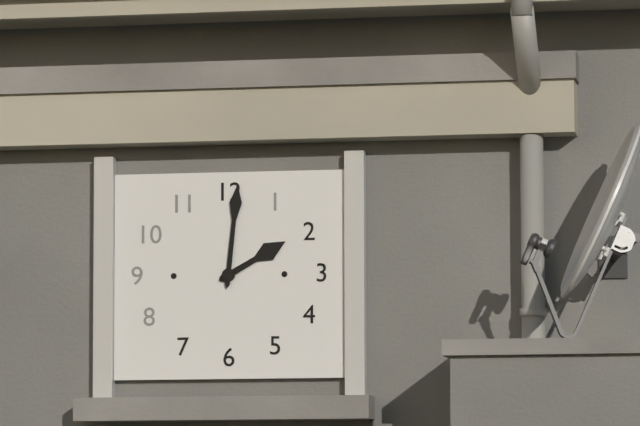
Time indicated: 2:01
